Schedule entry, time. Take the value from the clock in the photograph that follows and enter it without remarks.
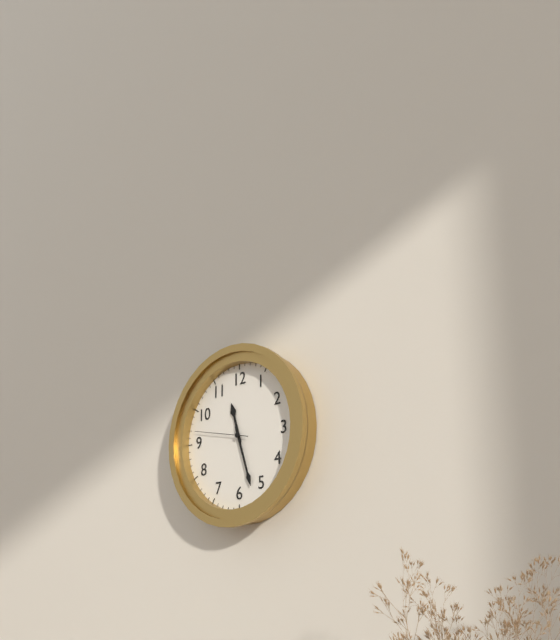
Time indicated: 11:27:47
